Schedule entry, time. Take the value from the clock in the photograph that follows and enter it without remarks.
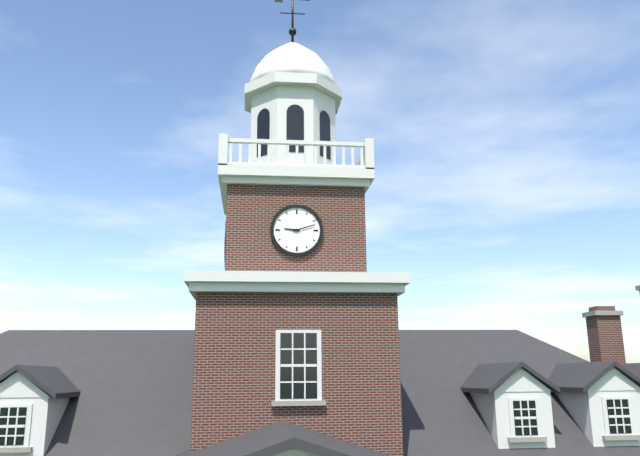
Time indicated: 9:12
